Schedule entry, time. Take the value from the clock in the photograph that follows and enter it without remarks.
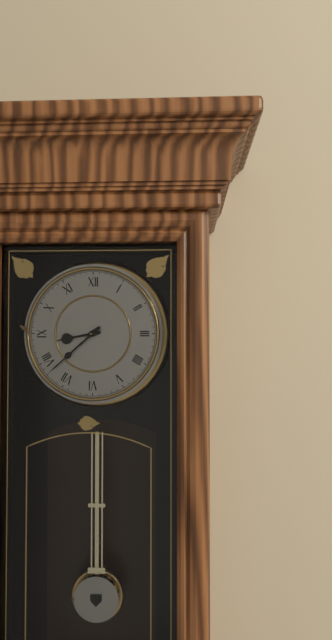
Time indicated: 8:38
